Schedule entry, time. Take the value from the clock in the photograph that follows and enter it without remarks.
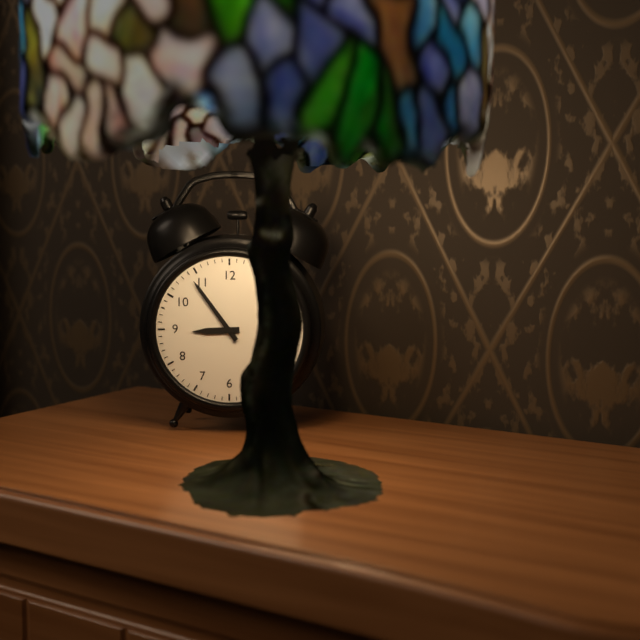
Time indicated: 8:54
